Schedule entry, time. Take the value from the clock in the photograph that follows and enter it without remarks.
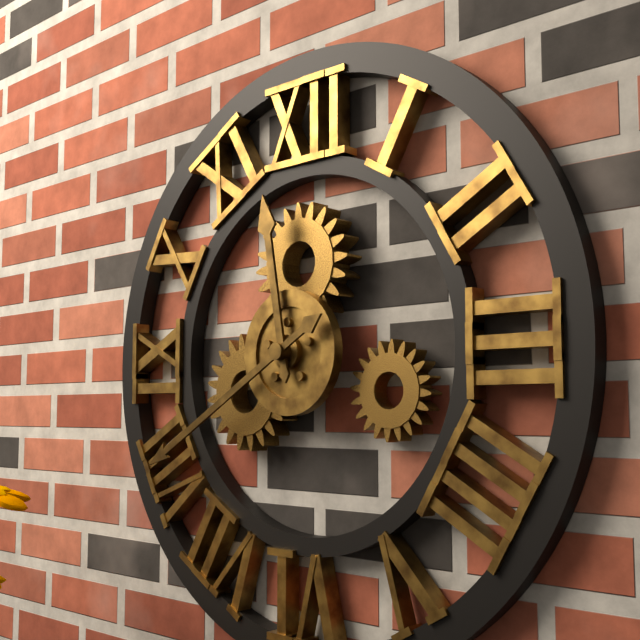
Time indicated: 11:40
